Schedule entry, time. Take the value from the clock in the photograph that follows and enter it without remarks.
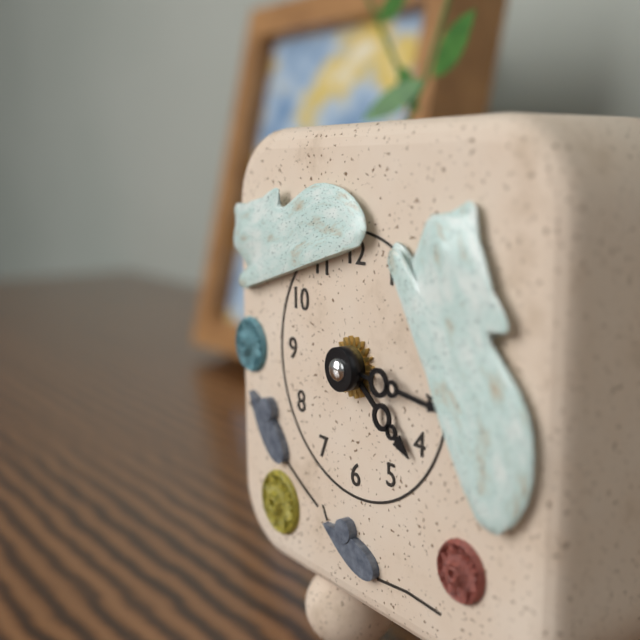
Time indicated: 4:16
